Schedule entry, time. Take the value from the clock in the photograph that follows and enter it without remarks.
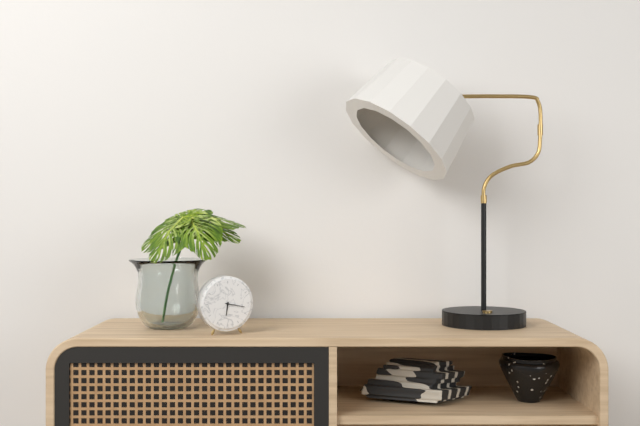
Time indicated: 6:17
